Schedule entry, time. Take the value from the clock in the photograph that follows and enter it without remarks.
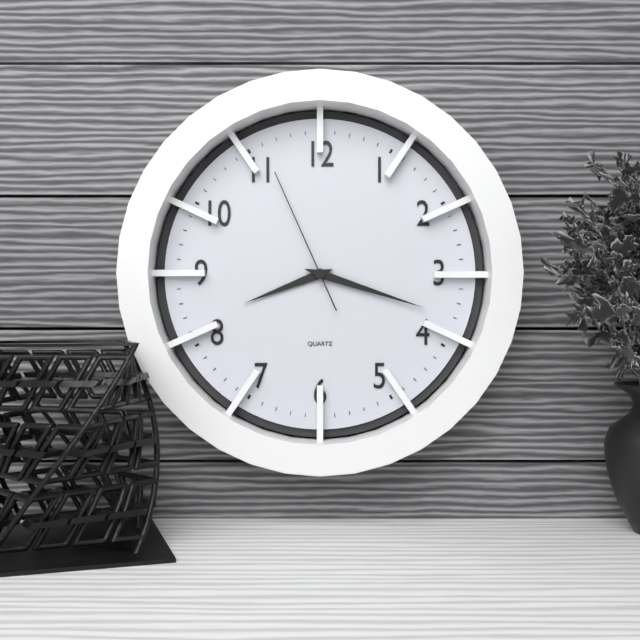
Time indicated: 8:18:56
